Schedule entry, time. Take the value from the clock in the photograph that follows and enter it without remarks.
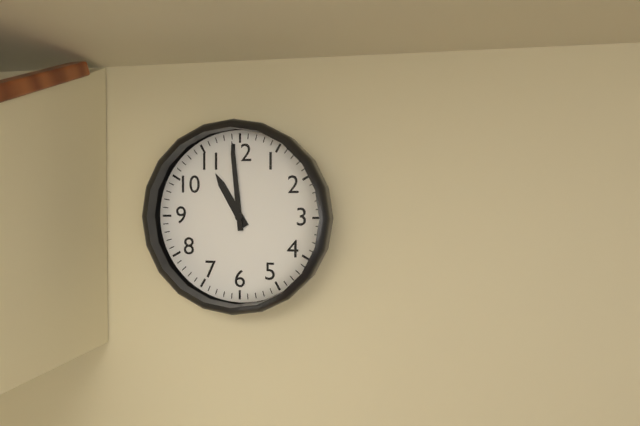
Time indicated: 10:59
